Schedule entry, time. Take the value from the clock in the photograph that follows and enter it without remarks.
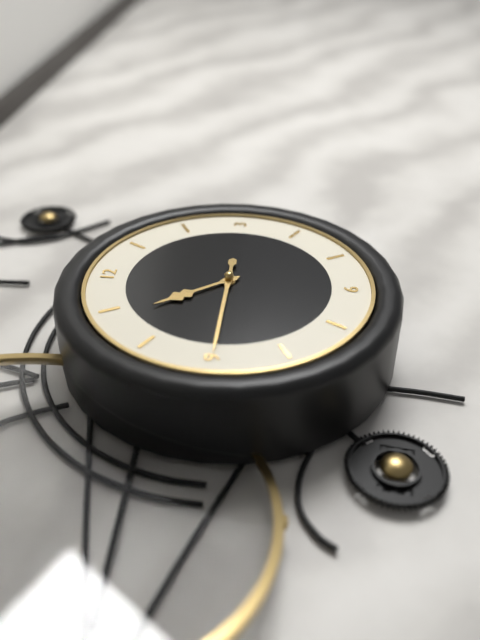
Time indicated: 10:45
